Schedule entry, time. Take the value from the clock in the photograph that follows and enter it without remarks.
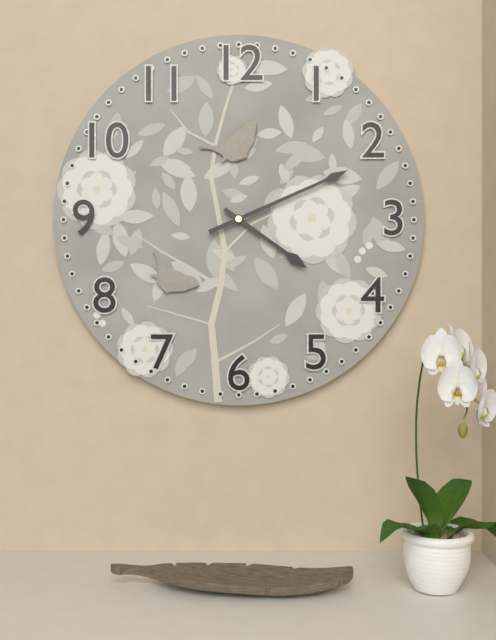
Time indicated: 4:11
